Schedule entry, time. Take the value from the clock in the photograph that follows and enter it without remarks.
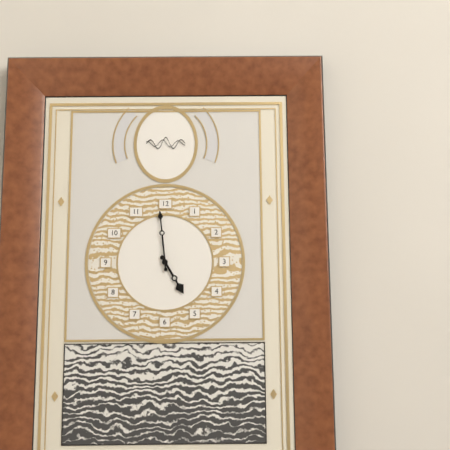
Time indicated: 4:59
